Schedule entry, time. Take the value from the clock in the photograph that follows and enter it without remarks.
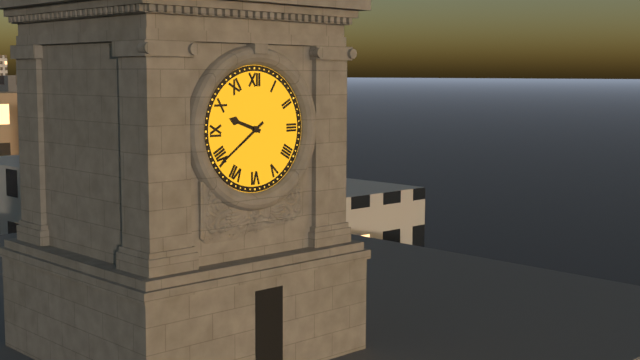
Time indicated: 9:39
